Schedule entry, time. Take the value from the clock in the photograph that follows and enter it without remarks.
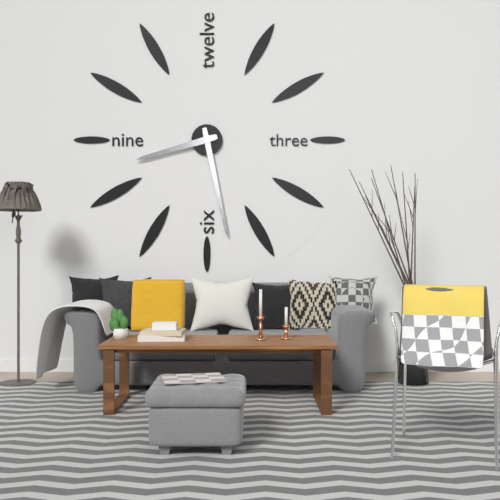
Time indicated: 8:28
